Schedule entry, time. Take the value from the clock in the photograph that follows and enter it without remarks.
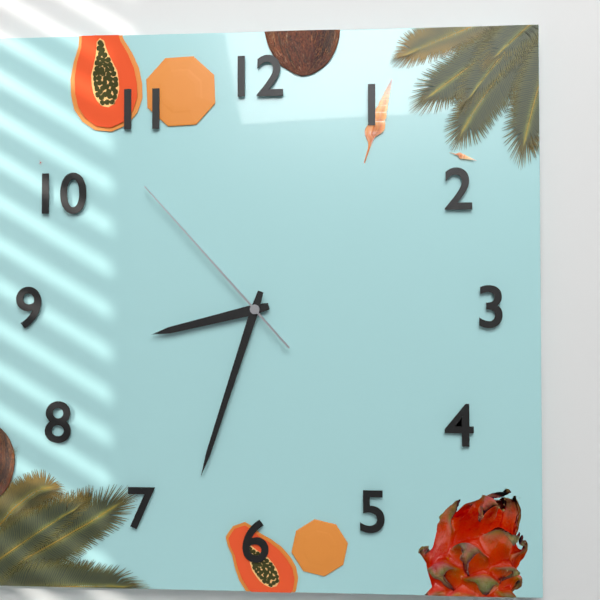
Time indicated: 8:33:53
